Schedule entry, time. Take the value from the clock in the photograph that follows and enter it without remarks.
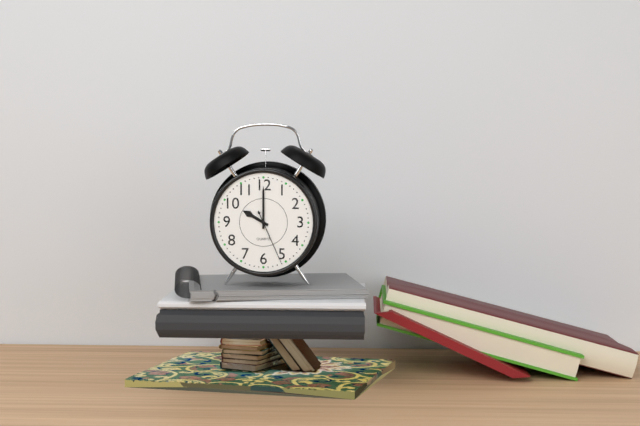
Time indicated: 10:00:26
